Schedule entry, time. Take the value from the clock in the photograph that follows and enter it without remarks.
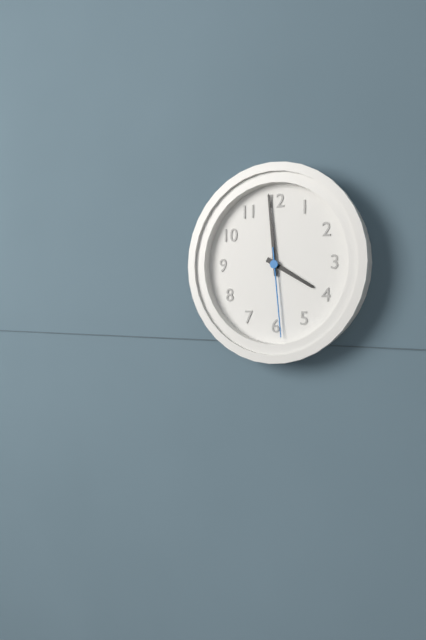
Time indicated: 3:59:29
